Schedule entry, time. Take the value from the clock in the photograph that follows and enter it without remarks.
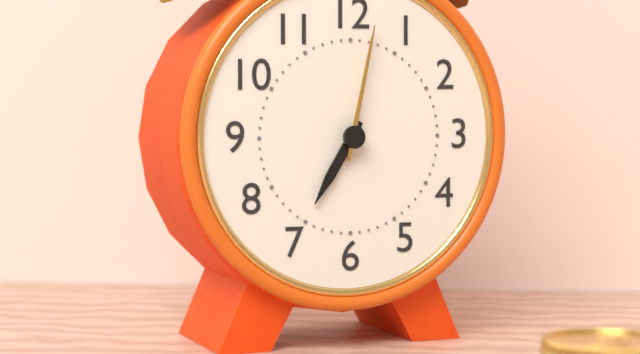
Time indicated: 7:02
